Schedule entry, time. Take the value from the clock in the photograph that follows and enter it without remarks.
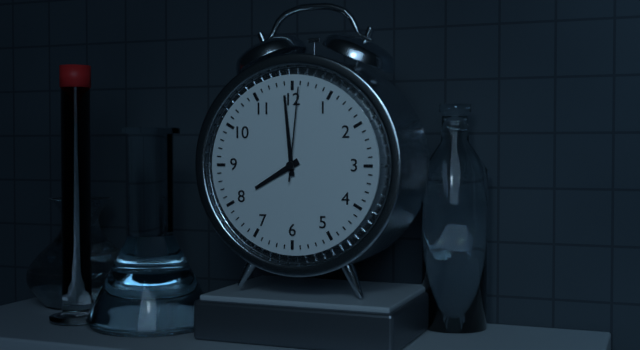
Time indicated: 7:59:01
